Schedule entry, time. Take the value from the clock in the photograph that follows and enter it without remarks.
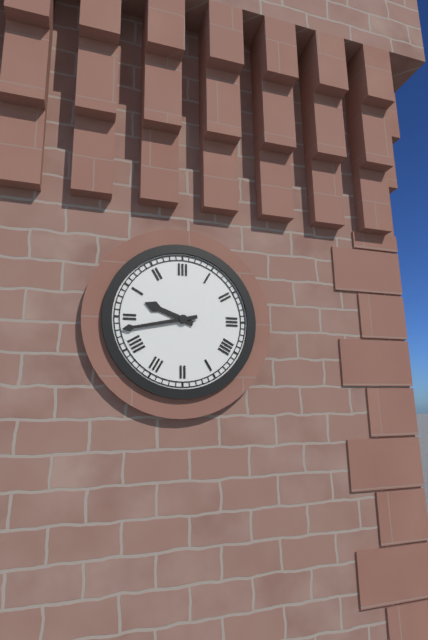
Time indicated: 9:43
